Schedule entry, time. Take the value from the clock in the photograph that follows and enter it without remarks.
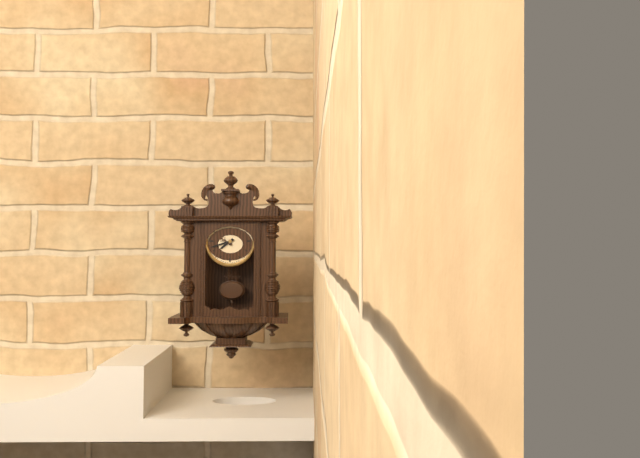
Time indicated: 7:42
